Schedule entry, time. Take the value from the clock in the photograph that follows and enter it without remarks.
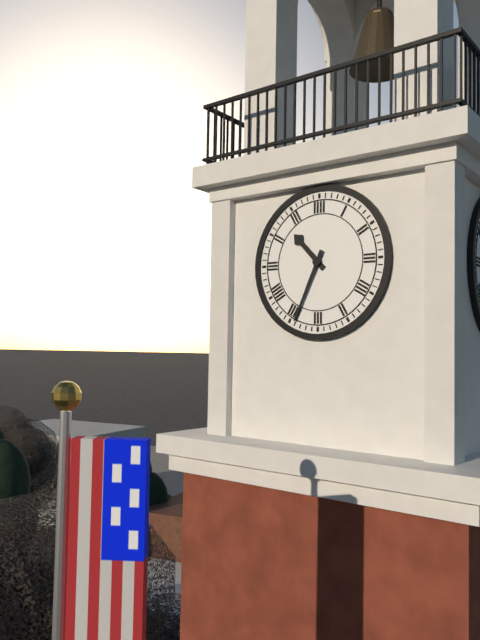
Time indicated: 10:34
